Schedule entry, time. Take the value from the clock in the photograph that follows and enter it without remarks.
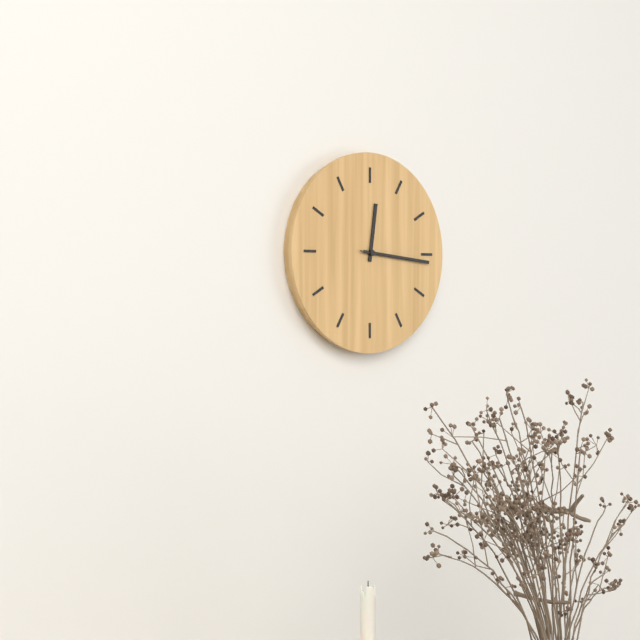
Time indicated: 12:16:16
